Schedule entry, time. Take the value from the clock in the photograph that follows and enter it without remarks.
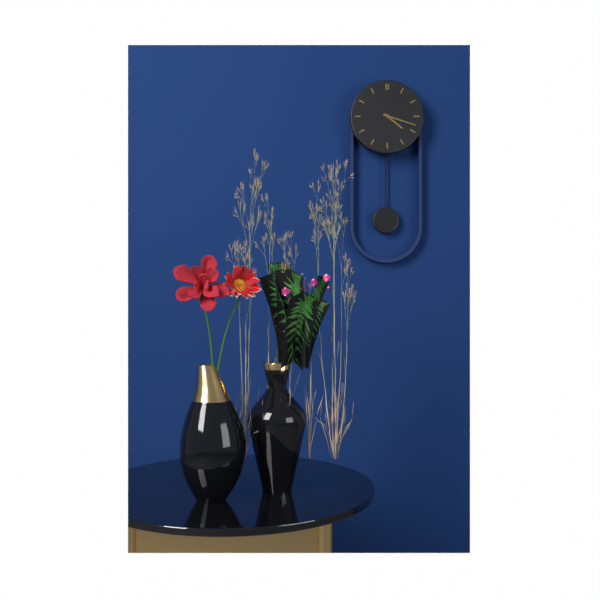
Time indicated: 4:18
